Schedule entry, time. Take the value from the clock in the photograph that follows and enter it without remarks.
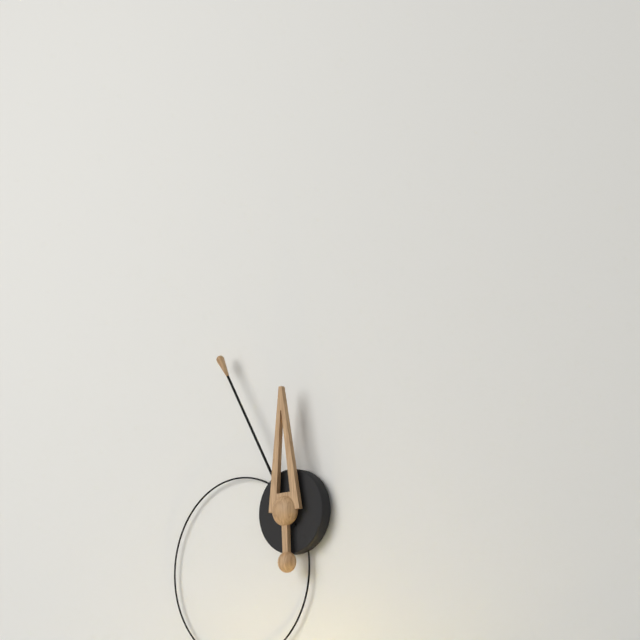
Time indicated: 11:55
